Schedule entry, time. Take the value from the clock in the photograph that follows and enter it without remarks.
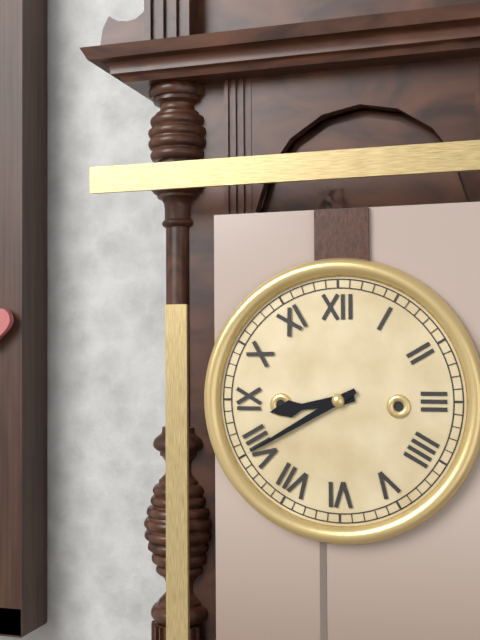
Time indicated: 8:40
